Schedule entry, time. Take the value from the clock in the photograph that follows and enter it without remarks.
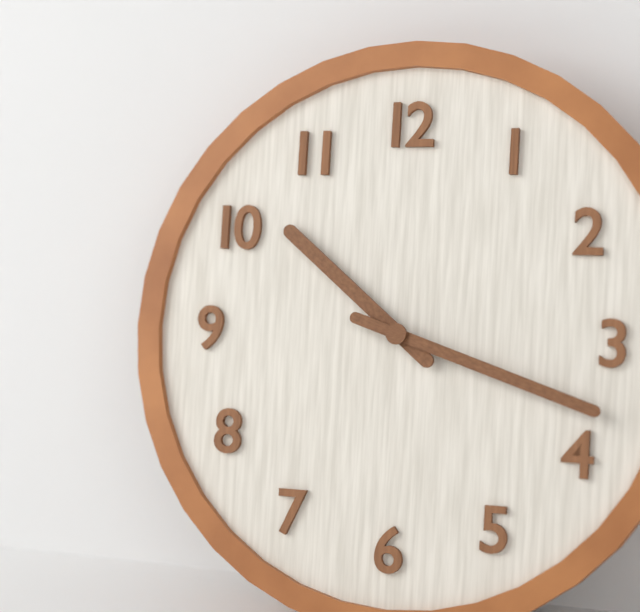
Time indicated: 10:18
